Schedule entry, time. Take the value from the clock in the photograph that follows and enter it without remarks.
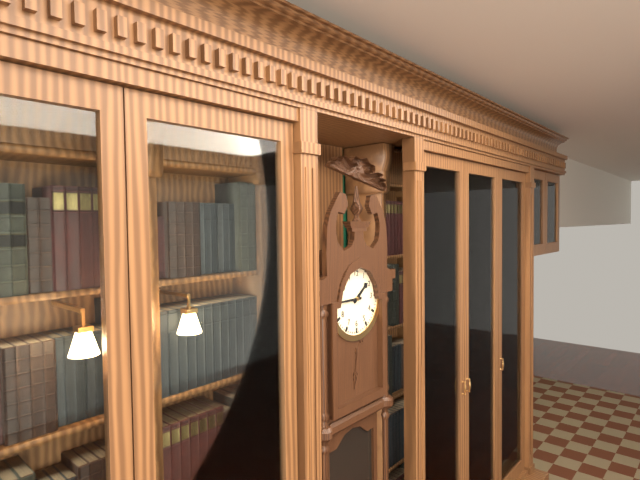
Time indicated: 1:45
